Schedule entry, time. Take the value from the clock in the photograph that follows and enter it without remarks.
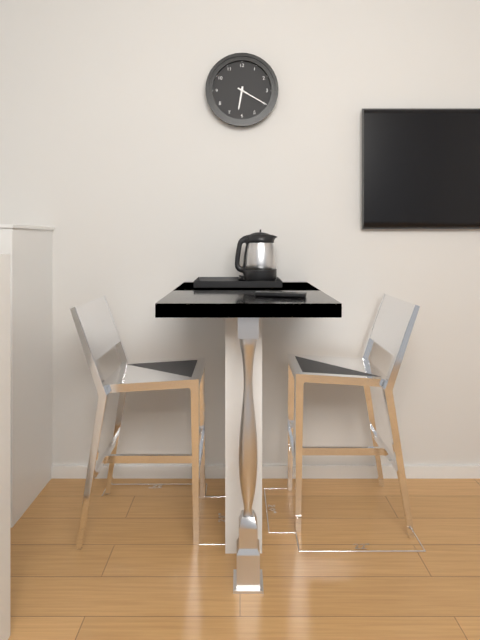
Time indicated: 6:20
